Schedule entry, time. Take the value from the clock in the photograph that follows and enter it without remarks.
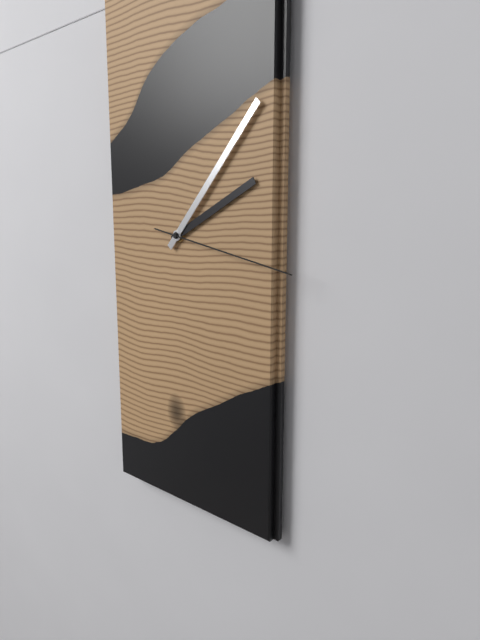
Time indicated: 2:07:17
